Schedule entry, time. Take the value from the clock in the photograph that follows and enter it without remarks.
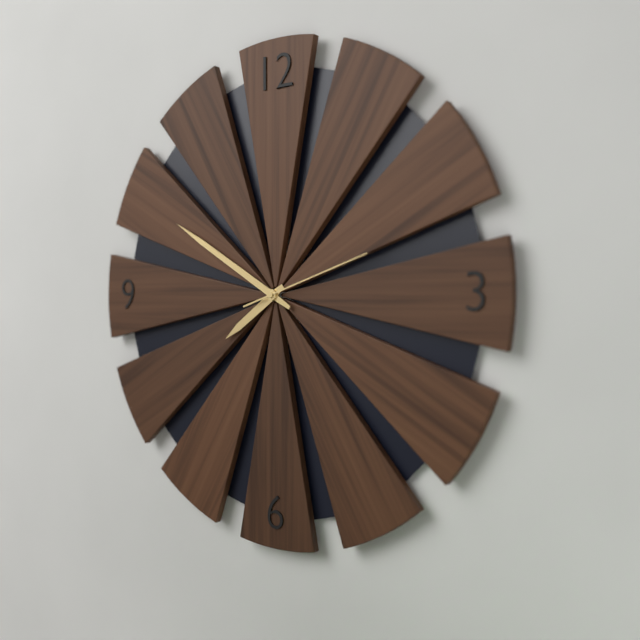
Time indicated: 7:50:12
